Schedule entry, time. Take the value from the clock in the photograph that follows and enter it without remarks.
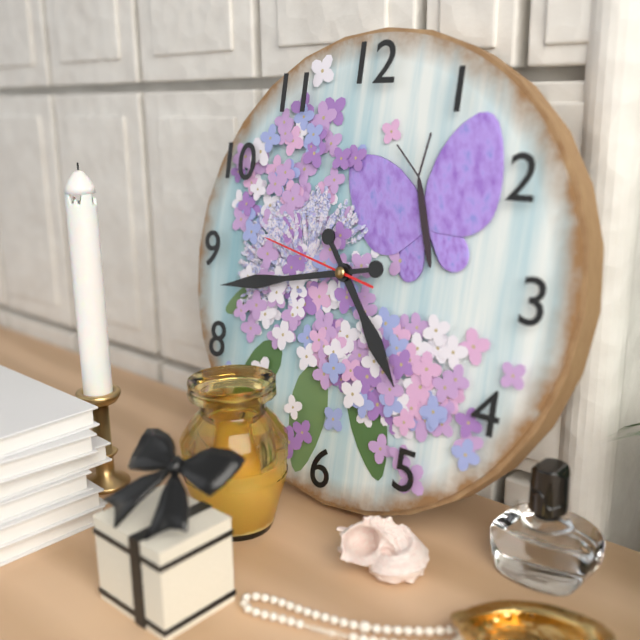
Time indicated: 4:43:47
